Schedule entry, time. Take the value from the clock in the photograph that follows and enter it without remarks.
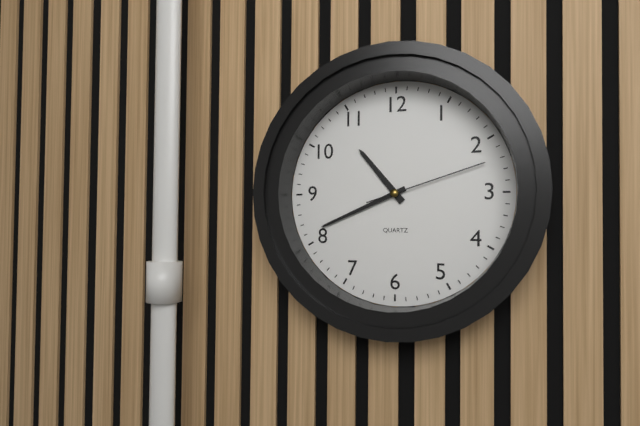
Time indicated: 10:41:12
